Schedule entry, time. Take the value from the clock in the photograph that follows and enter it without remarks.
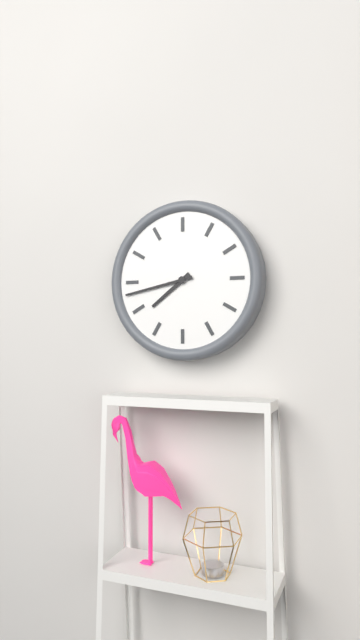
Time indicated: 7:43
